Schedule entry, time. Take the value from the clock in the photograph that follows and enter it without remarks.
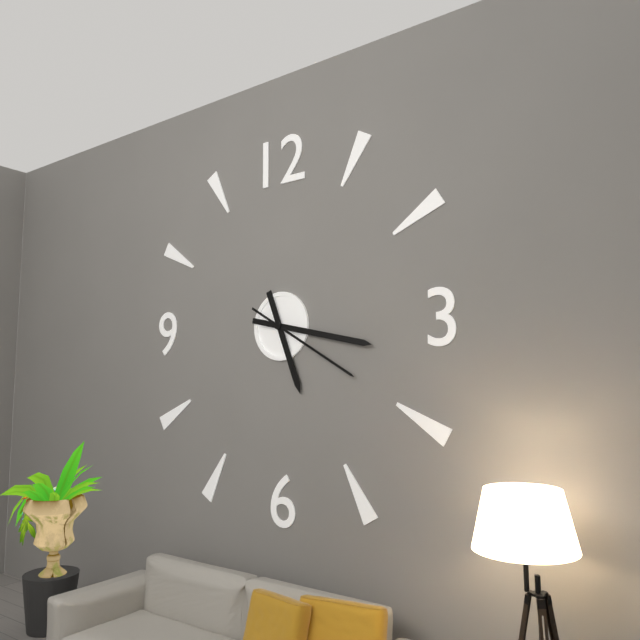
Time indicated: 5:17:20
